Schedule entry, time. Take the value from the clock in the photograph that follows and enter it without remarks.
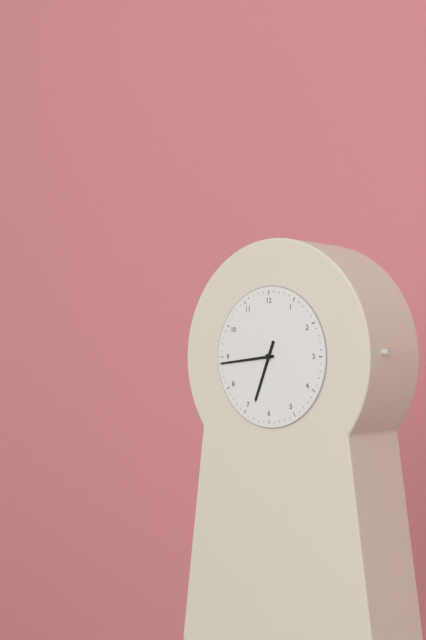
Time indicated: 6:44
